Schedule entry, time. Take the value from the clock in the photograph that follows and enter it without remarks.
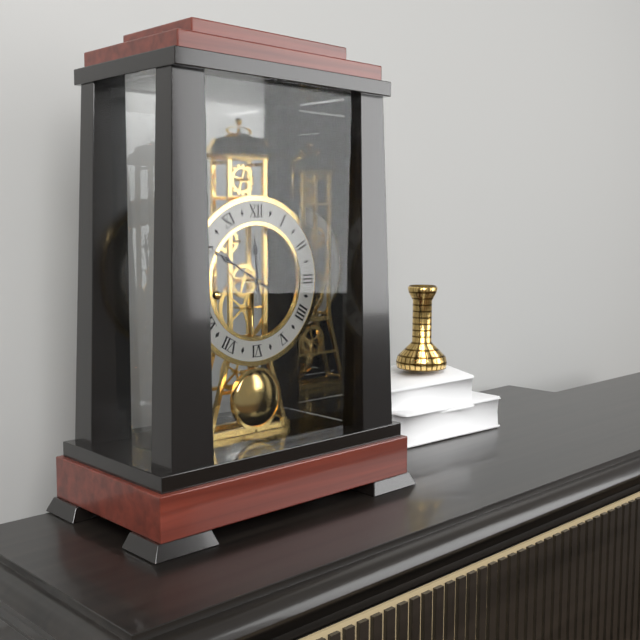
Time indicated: 11:50
